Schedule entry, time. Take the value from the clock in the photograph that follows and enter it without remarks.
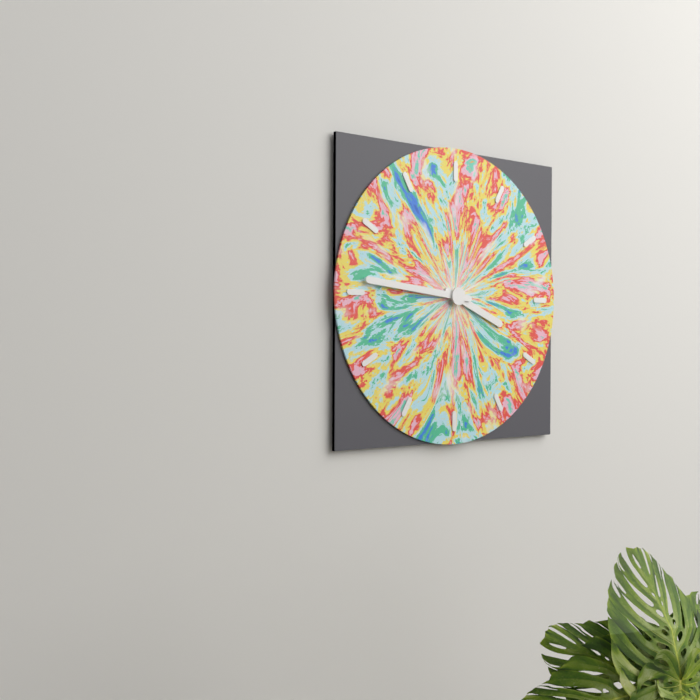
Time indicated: 3:46
